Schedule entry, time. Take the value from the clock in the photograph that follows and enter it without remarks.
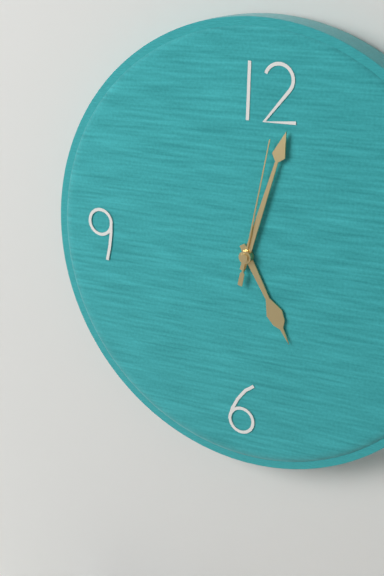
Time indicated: 5:03:02
